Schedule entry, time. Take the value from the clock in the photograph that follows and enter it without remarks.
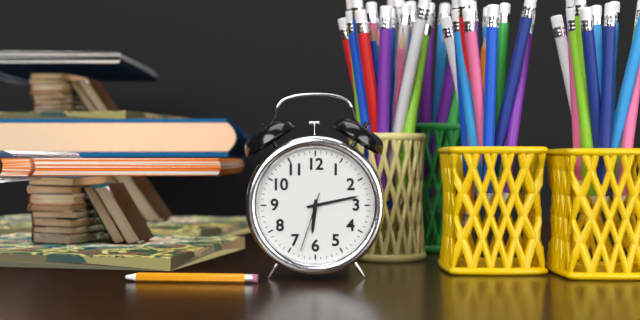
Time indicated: 6:13:33
